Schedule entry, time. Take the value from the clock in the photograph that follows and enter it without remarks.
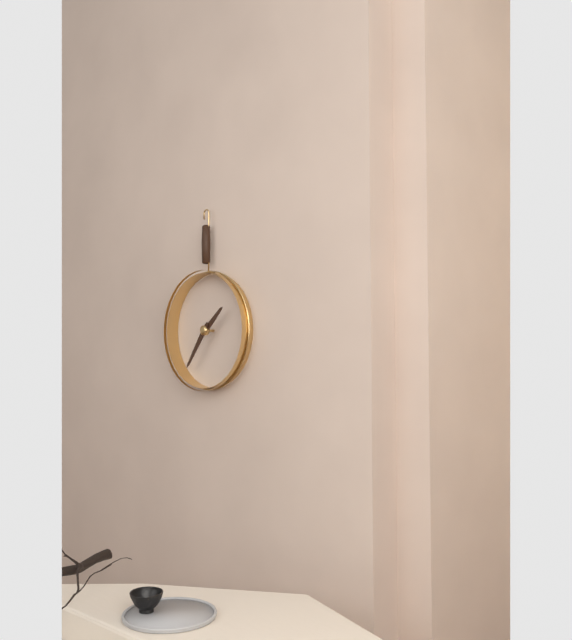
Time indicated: 1:36
